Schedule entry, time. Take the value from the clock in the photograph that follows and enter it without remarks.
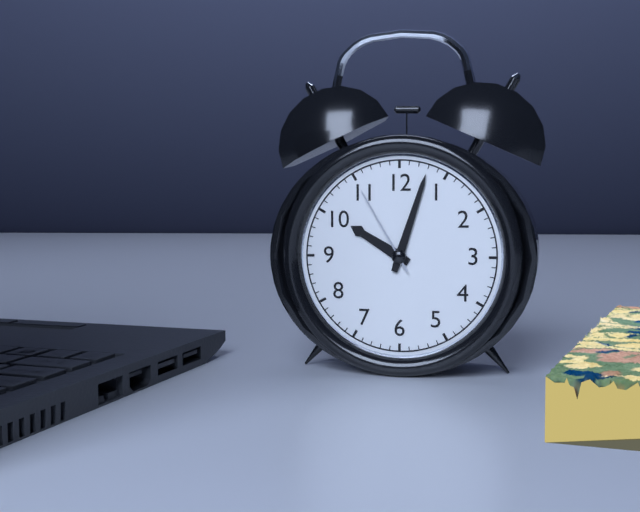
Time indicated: 10:03:55
